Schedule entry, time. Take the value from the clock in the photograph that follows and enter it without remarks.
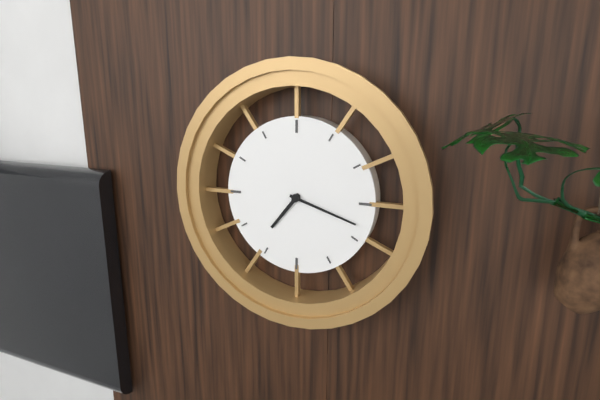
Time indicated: 7:18
